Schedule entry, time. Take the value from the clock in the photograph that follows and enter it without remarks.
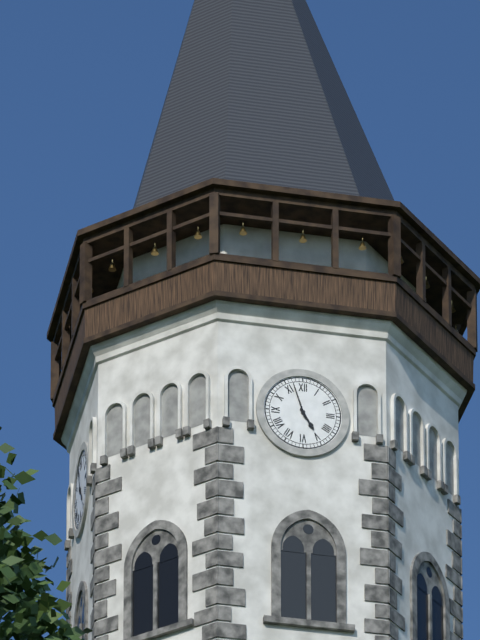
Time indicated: 4:57
